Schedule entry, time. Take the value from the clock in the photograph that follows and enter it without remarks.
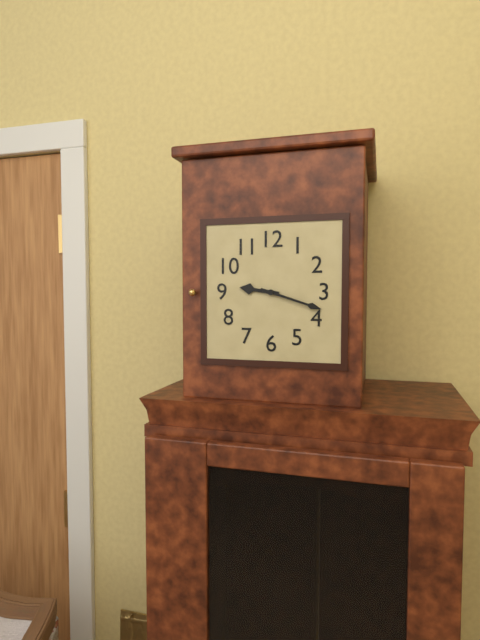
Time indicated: 9:18
